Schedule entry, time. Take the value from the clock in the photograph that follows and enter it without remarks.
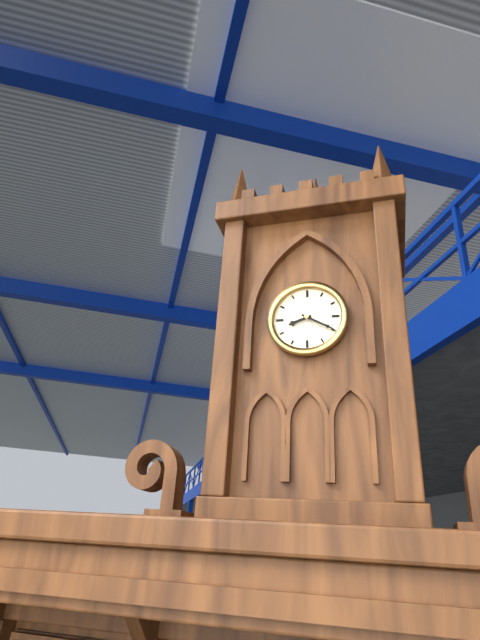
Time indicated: 8:20
